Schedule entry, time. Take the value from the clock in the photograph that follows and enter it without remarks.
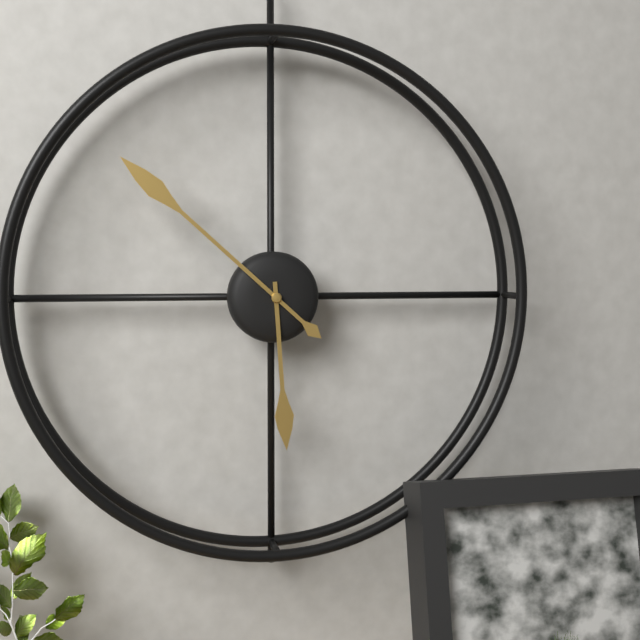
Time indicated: 5:52
